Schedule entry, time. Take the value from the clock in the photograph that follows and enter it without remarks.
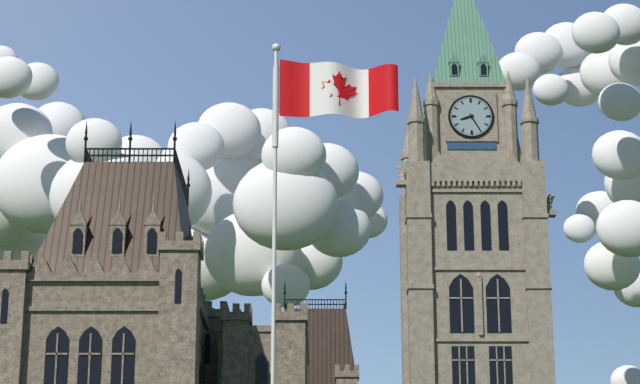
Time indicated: 8:25
